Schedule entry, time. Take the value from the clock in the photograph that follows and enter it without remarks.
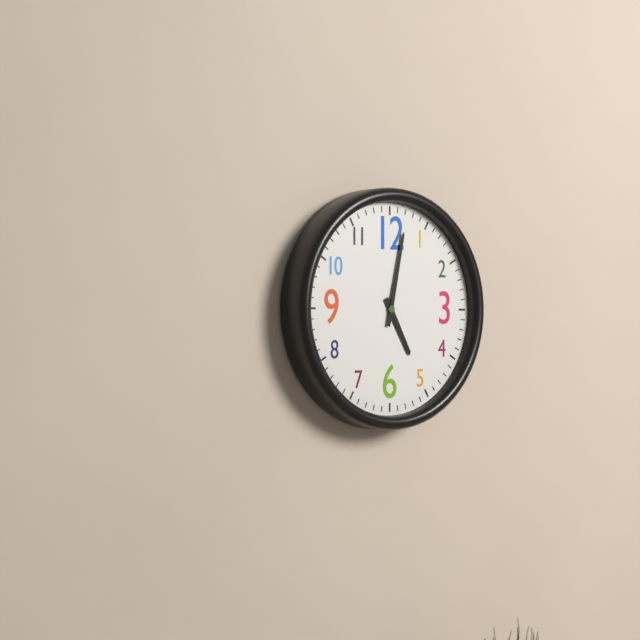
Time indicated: 5:02
